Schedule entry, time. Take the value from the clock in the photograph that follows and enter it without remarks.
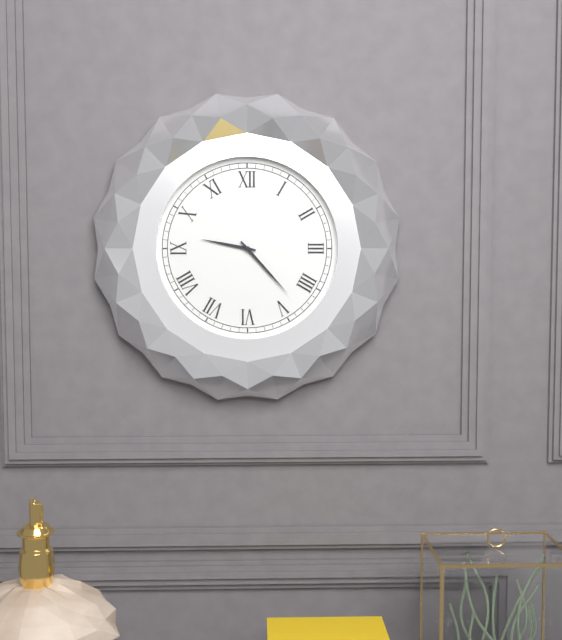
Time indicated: 9:23
